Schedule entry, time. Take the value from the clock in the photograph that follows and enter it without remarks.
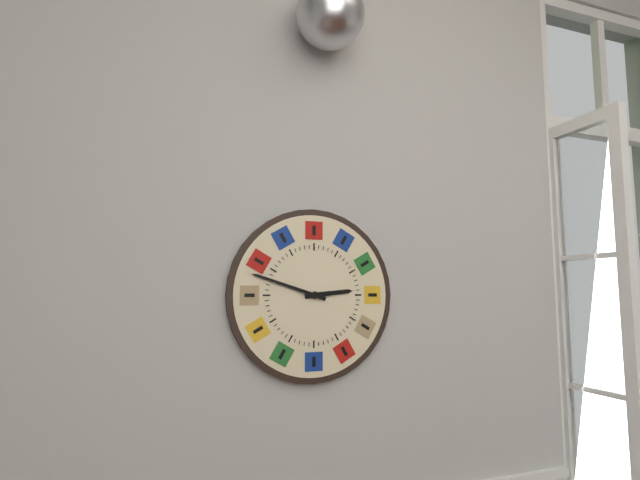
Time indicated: 2:48
